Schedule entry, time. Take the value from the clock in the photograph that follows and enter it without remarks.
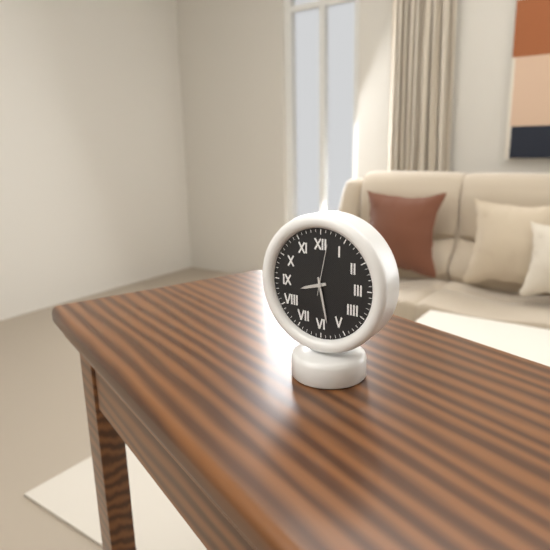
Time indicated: 8:28:02
